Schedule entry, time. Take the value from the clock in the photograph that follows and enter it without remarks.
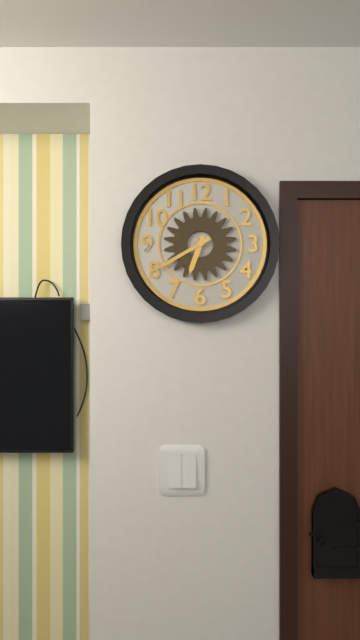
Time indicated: 6:40
